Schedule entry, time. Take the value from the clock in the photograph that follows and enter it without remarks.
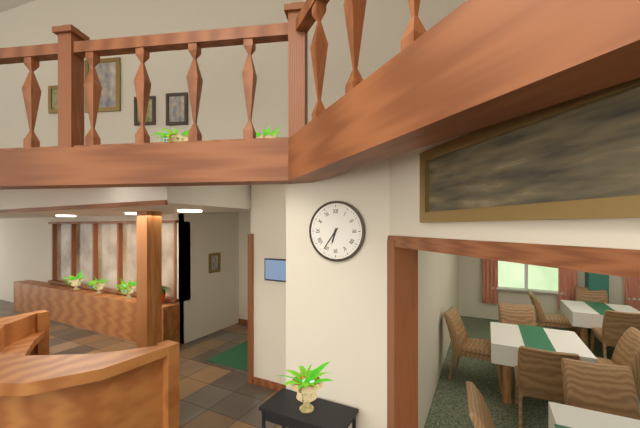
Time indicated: 6:36
